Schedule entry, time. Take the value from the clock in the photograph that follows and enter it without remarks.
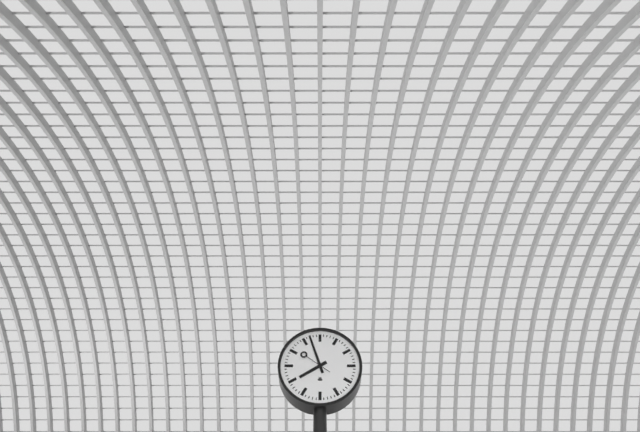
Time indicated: 7:57
